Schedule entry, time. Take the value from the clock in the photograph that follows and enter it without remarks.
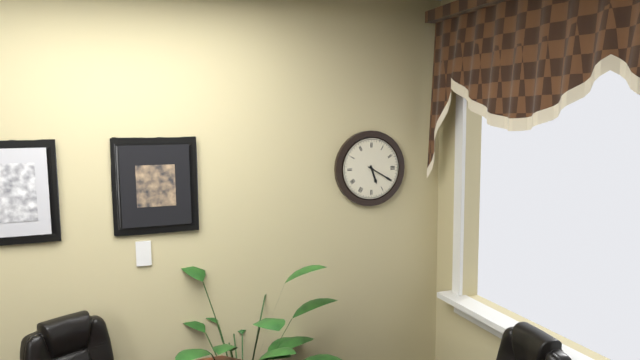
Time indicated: 5:20
